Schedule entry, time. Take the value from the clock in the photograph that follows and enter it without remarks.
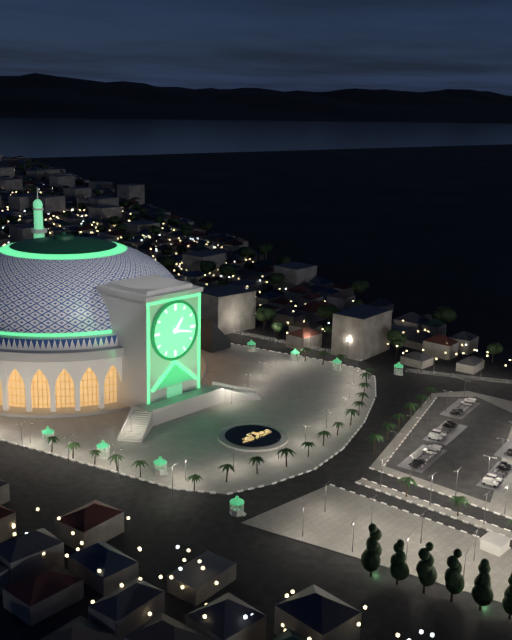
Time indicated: 1:17
